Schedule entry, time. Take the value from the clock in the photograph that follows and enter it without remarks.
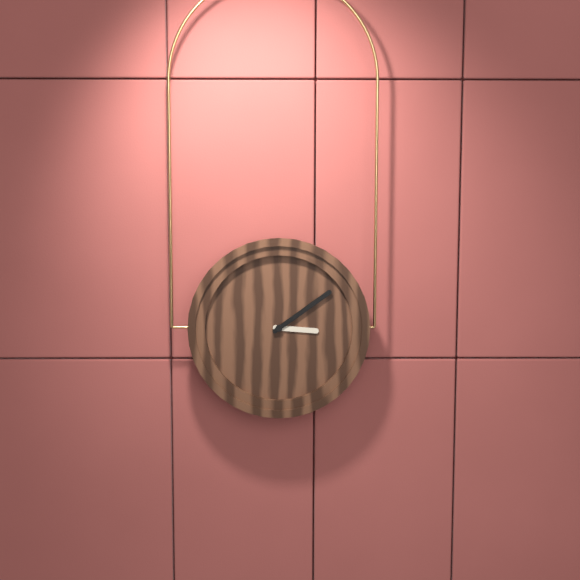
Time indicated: 3:09
